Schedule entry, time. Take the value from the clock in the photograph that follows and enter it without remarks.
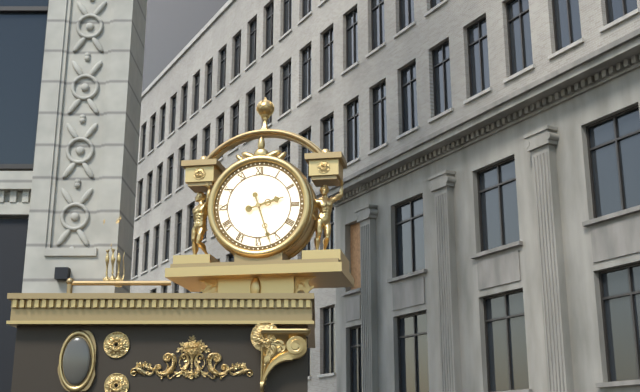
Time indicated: 2:27
